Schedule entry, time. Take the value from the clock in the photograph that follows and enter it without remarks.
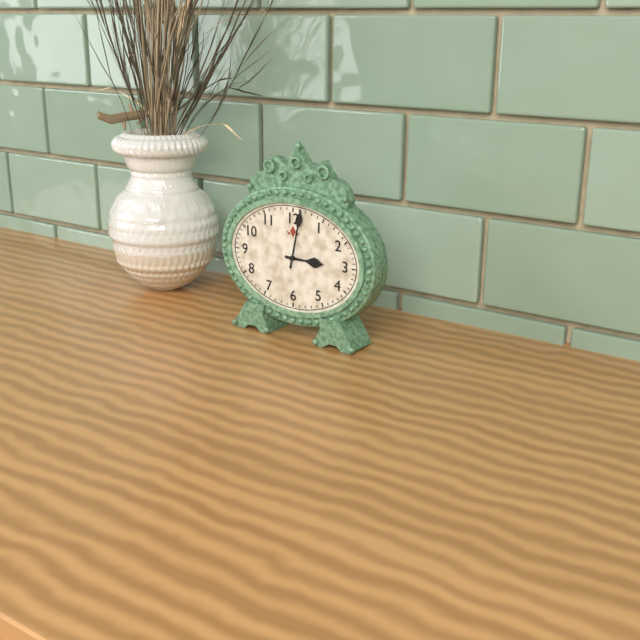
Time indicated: 3:02
